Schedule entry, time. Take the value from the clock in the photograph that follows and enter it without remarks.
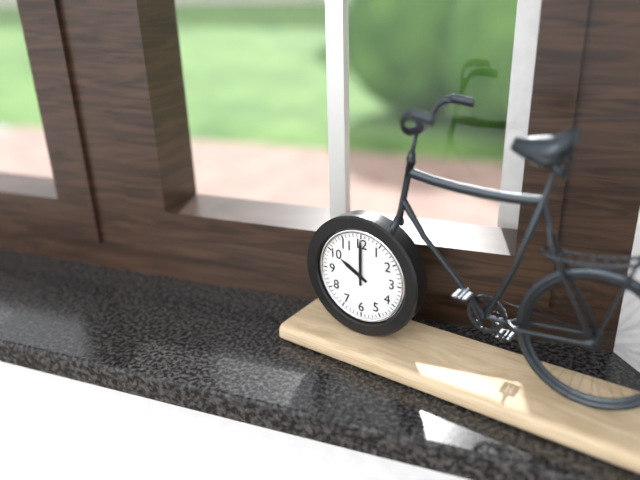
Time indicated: 10:00
